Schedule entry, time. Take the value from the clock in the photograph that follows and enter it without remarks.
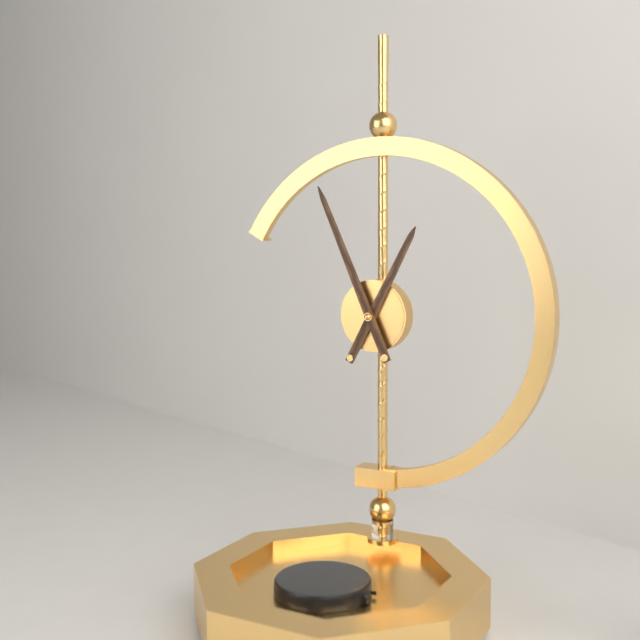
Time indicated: 12:56
